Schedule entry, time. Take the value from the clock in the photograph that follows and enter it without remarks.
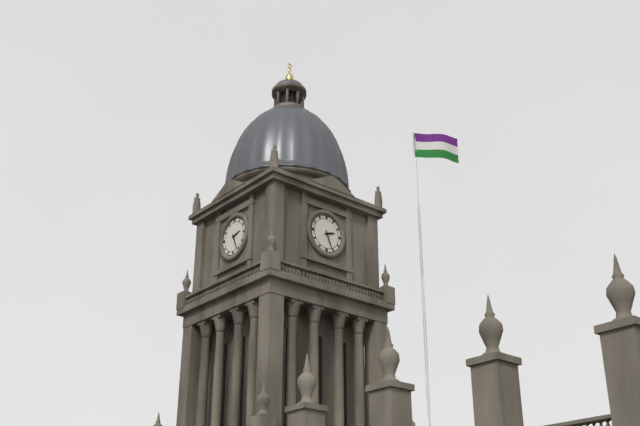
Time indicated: 2:26
